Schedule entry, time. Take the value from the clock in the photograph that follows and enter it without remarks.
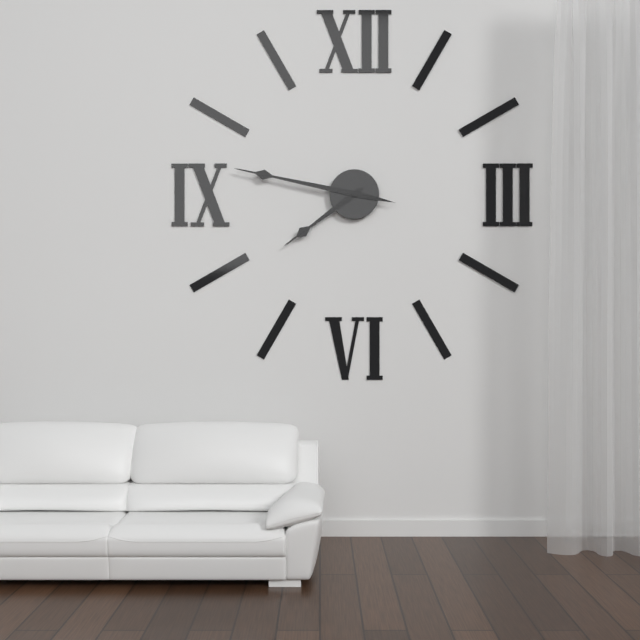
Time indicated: 7:47
